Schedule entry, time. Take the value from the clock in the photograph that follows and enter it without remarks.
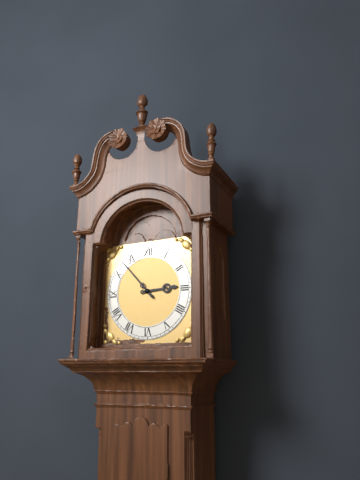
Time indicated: 2:53
